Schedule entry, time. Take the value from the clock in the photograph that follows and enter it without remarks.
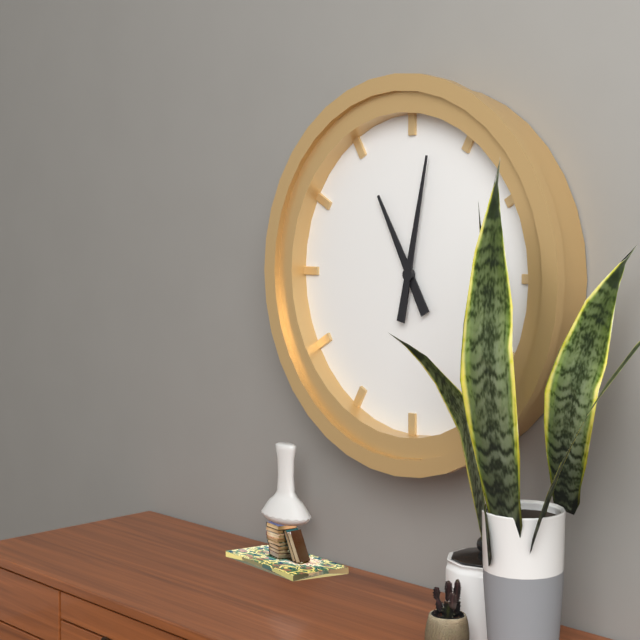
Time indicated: 11:02
